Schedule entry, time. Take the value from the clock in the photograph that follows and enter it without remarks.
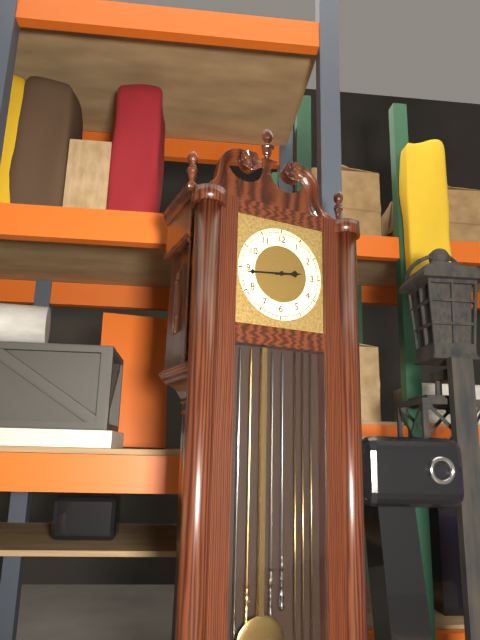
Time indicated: 2:44
